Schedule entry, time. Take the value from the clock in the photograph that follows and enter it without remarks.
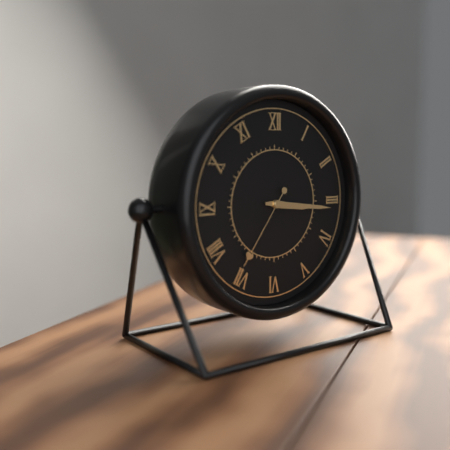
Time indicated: 3:16:36
